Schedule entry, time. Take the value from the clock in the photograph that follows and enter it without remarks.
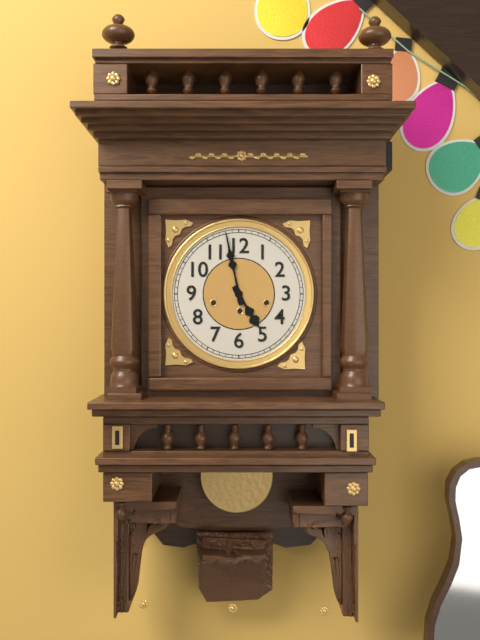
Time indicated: 4:58
